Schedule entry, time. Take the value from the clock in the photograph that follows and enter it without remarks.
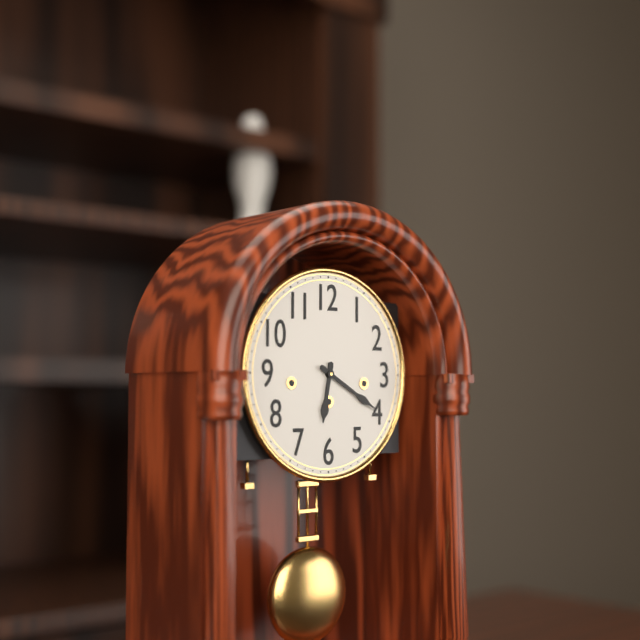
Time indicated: 6:20
